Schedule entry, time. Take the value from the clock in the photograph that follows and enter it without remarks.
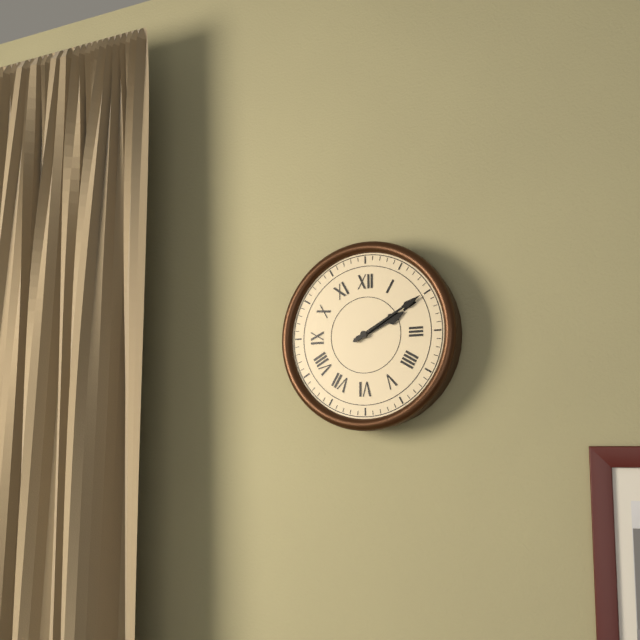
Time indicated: 2:10
